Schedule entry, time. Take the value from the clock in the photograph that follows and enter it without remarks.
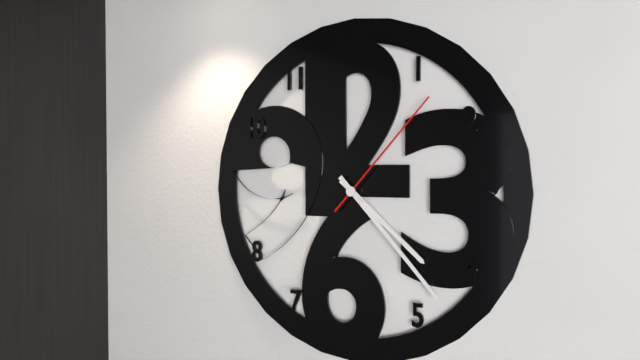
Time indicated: 4:23:07
